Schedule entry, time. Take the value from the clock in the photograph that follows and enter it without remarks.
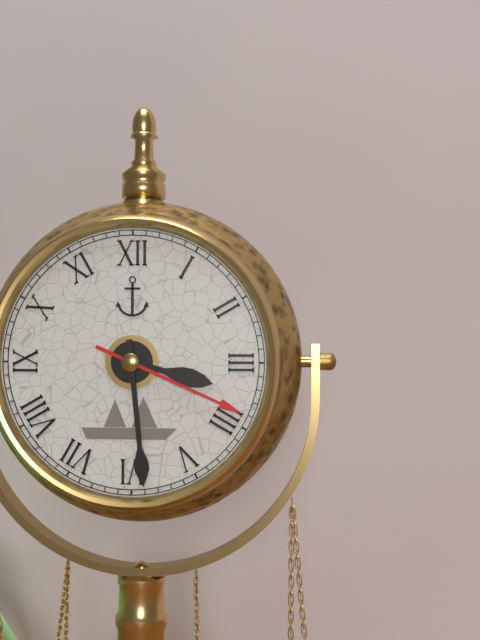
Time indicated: 3:29:19
